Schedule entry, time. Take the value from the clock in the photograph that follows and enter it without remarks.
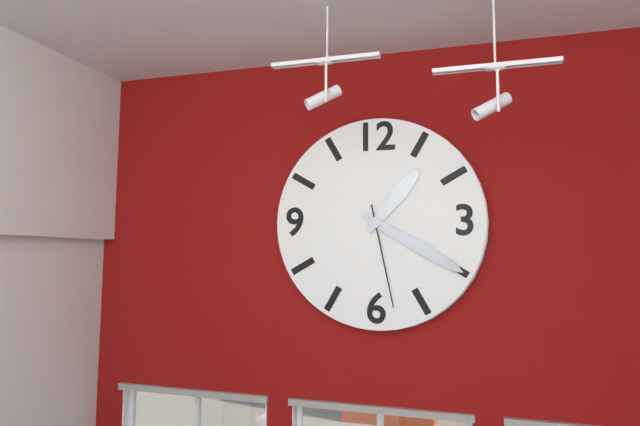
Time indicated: 1:20:28
